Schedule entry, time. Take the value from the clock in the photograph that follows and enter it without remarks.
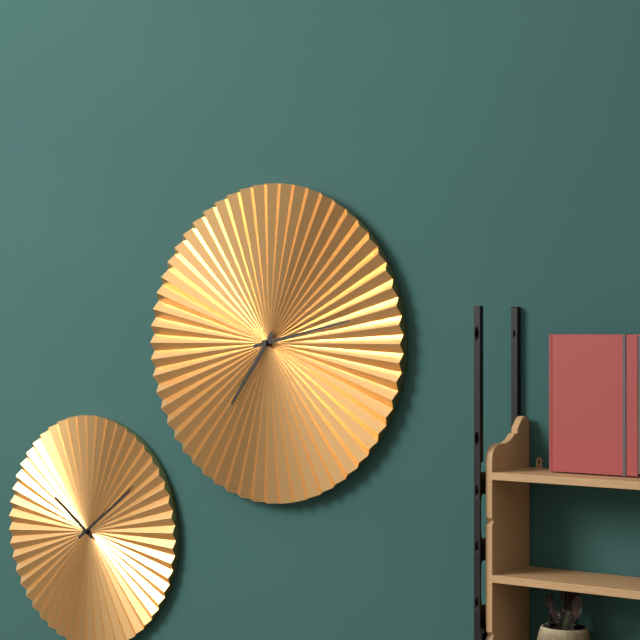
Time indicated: 7:13
